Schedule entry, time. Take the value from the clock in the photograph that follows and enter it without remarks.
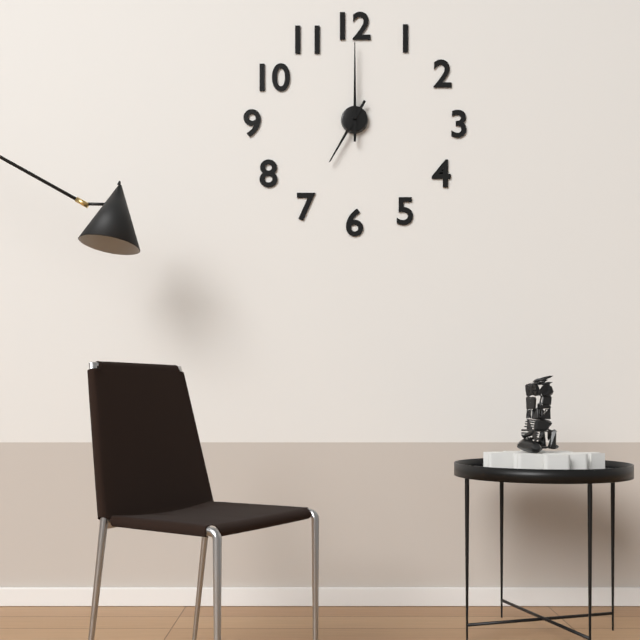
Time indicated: 7:00
